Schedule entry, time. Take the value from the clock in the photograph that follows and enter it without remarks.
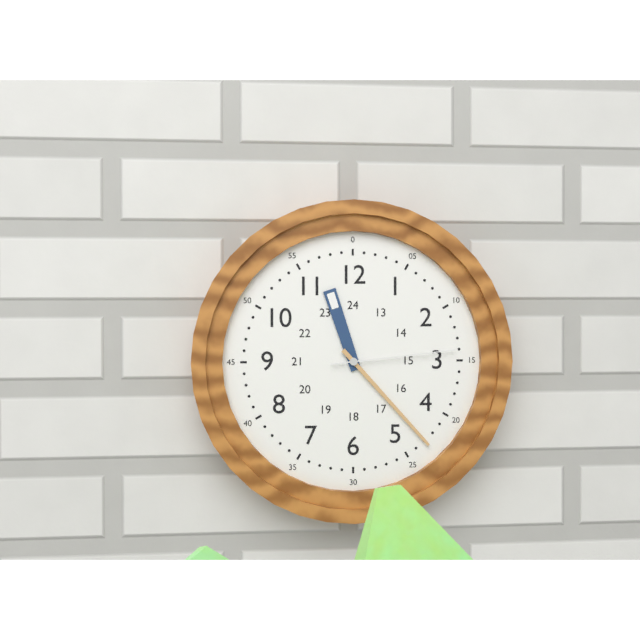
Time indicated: 11:23:14
